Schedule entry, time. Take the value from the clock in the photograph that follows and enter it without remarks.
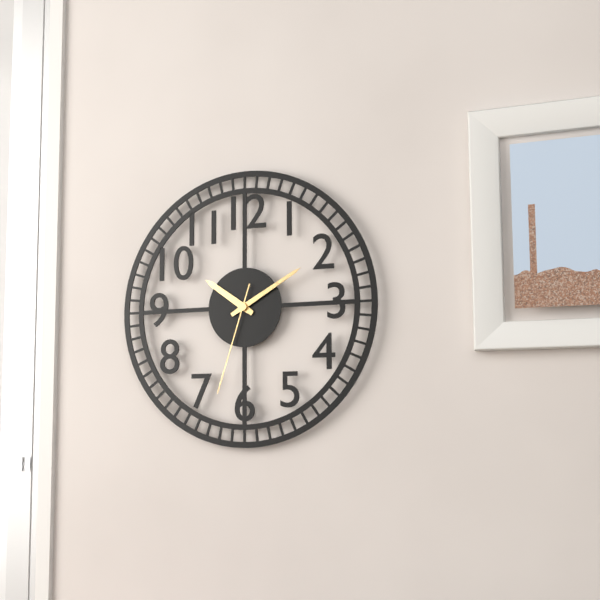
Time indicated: 10:10:33
